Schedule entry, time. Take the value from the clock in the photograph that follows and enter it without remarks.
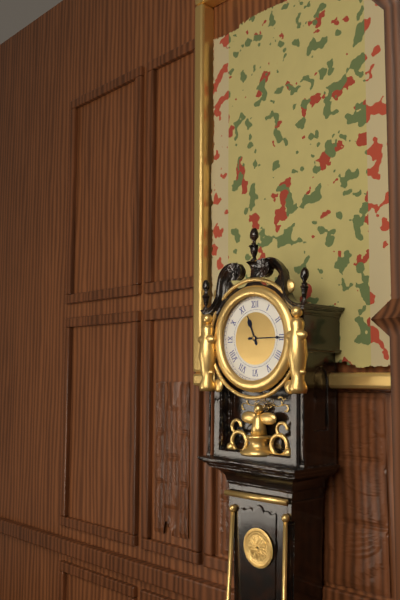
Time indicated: 11:15
